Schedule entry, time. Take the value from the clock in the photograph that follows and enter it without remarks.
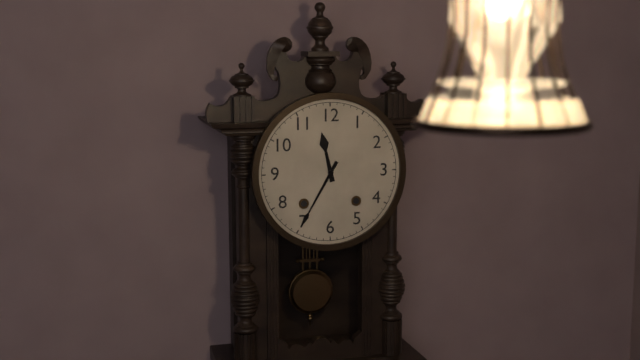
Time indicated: 11:35
